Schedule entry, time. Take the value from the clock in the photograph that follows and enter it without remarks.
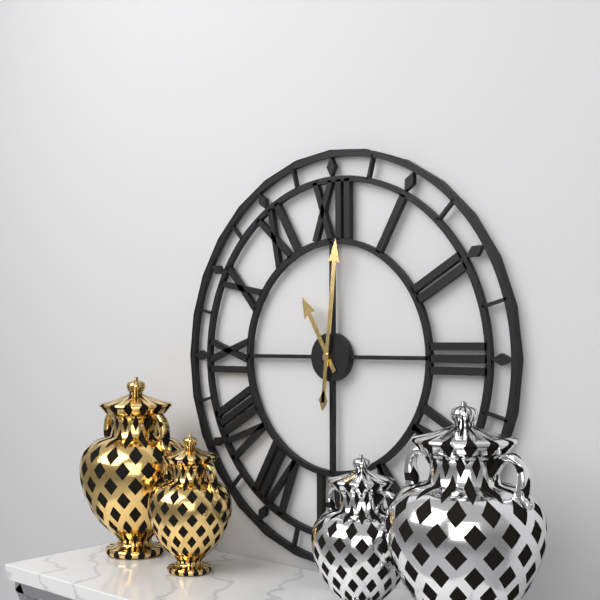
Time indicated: 11:01
